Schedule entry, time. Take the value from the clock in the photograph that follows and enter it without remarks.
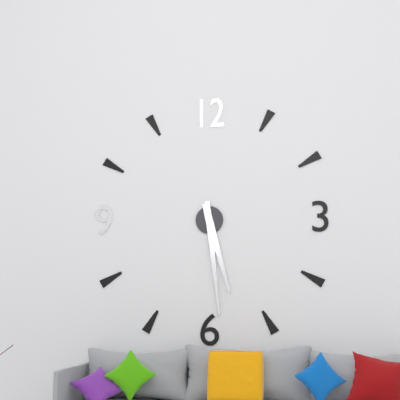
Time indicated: 5:29
